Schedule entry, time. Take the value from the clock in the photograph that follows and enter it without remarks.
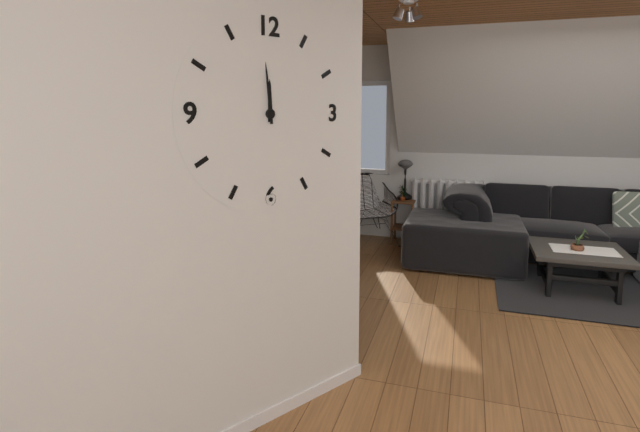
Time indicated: 11:59
